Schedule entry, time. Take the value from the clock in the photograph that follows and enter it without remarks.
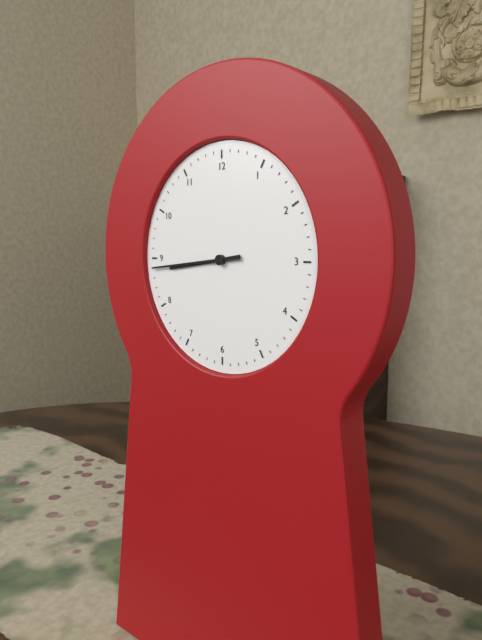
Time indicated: 8:44
